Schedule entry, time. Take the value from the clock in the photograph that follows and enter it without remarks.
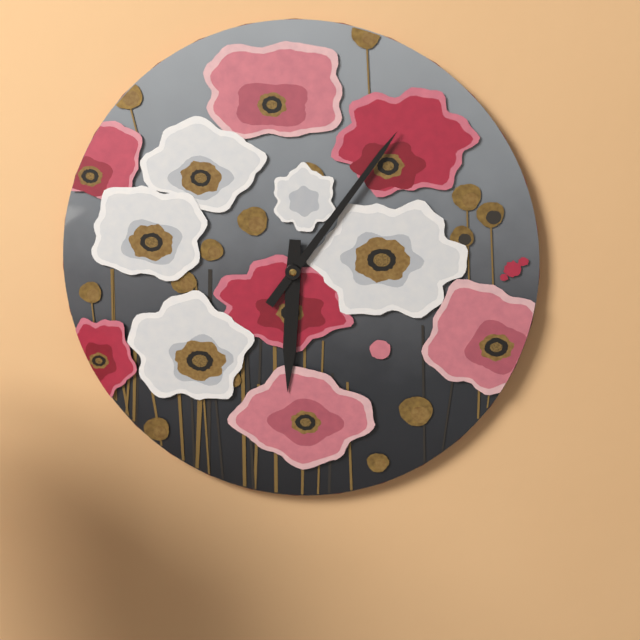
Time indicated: 6:06
